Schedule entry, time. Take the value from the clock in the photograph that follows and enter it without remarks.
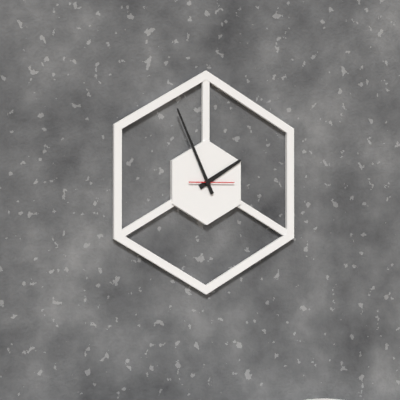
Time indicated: 1:56
